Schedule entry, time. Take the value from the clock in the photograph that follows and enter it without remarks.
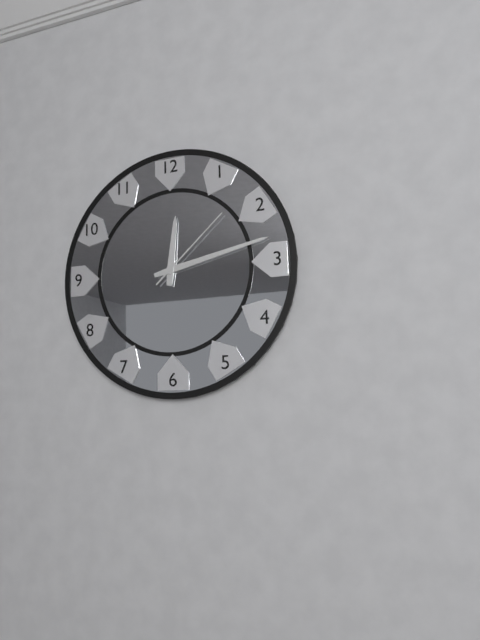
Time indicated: 12:13:08
